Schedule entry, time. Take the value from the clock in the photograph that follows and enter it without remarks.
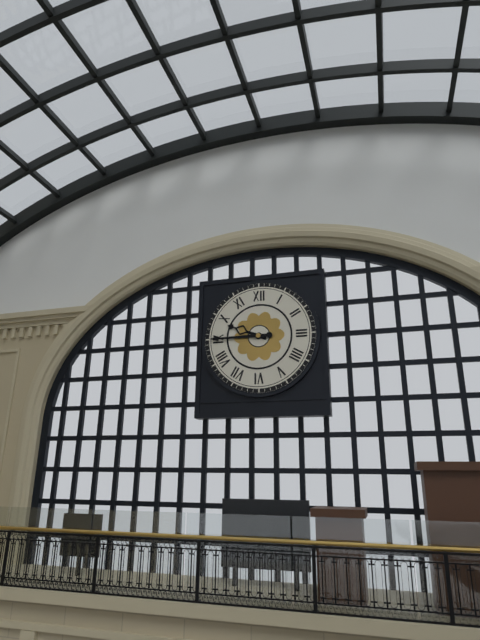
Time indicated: 9:45
